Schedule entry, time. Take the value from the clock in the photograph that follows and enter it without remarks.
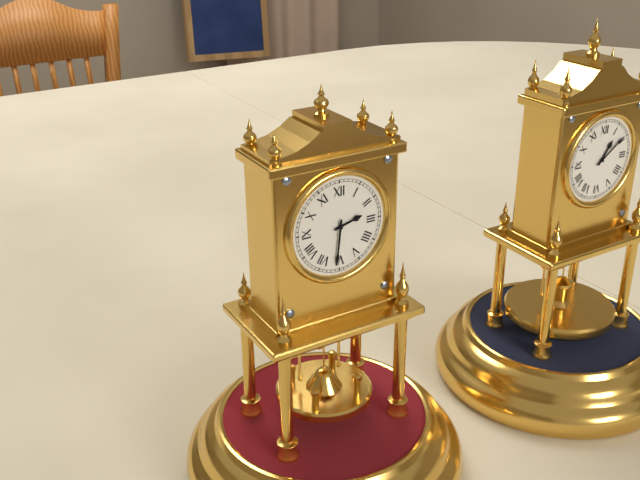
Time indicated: 2:31
